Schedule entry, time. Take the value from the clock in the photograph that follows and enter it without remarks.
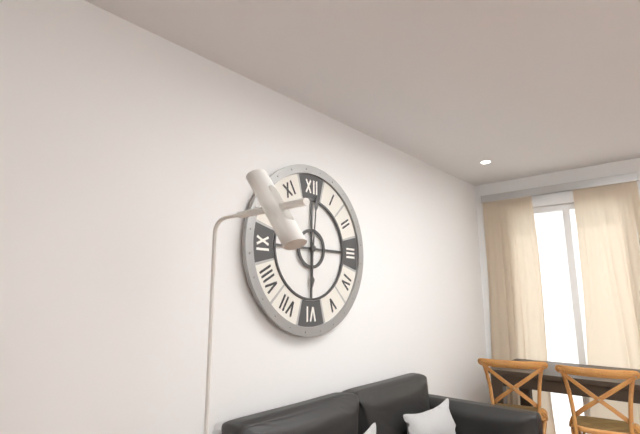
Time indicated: 6:01
